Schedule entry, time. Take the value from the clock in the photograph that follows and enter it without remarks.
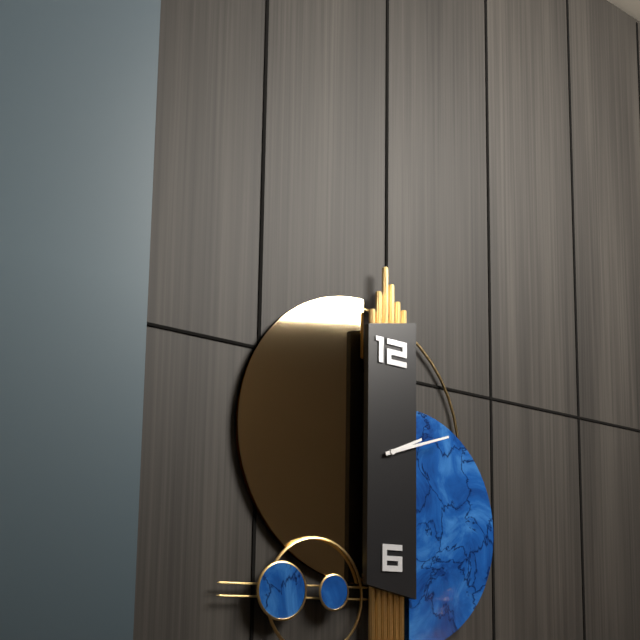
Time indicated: 2:12
